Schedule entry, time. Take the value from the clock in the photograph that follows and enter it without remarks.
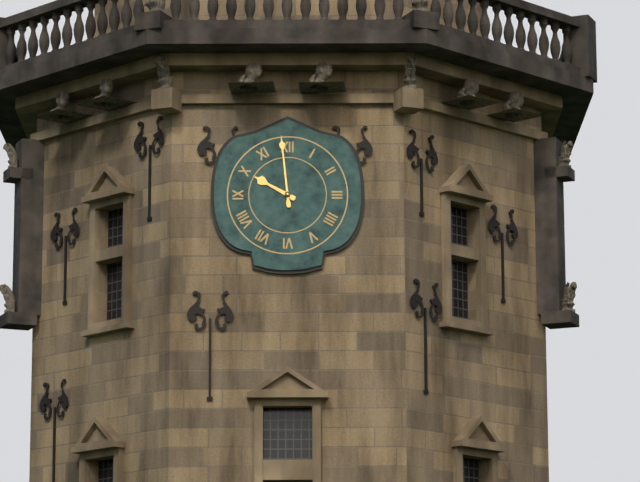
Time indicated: 9:59
